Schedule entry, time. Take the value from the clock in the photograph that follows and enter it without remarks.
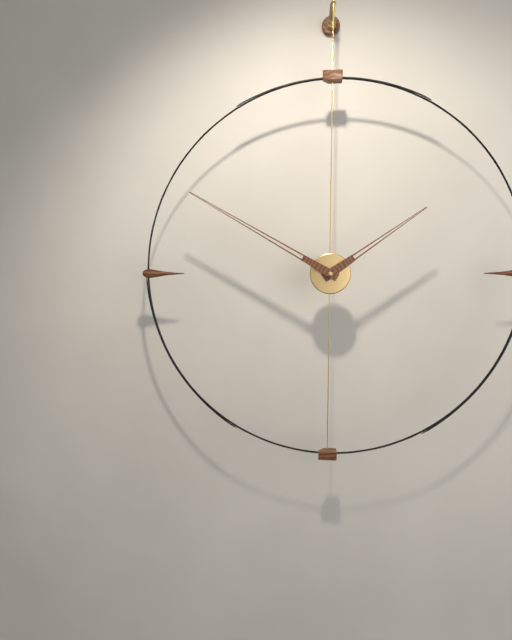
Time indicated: 1:50
